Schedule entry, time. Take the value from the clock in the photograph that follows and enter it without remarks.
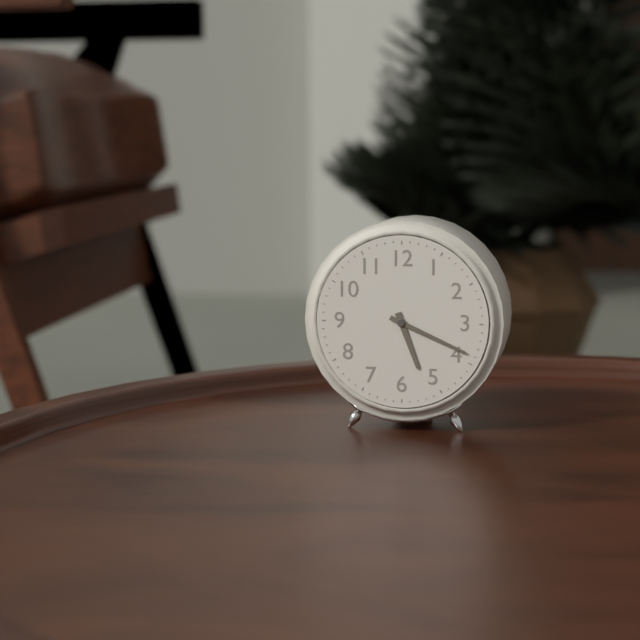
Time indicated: 5:19
